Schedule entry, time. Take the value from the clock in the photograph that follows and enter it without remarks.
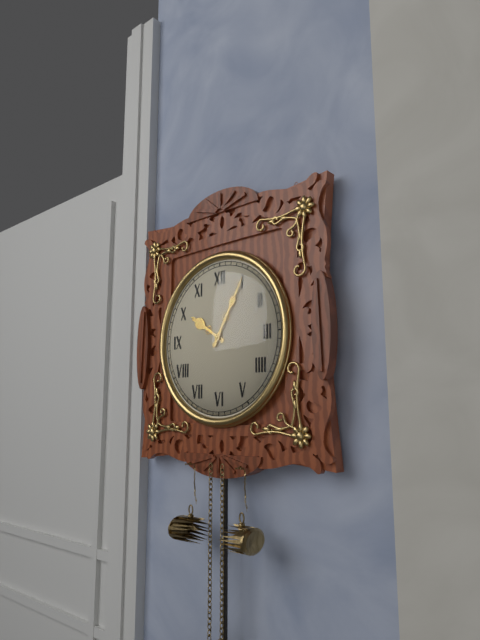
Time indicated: 10:05
